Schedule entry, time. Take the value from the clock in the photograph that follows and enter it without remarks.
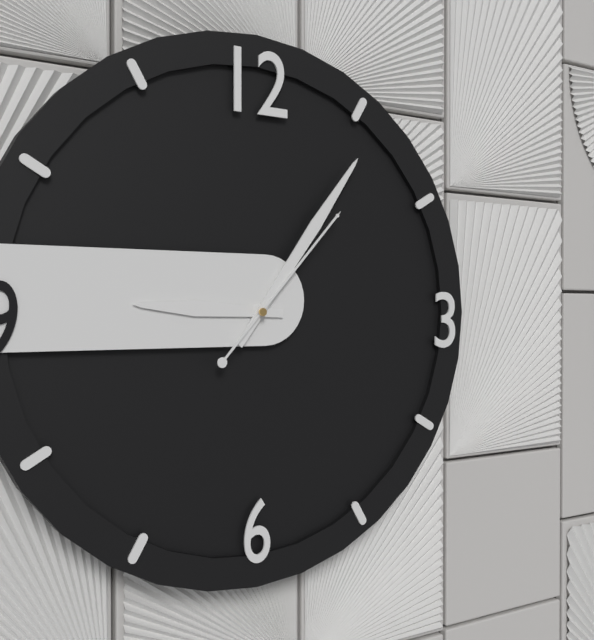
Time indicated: 9:06:07
